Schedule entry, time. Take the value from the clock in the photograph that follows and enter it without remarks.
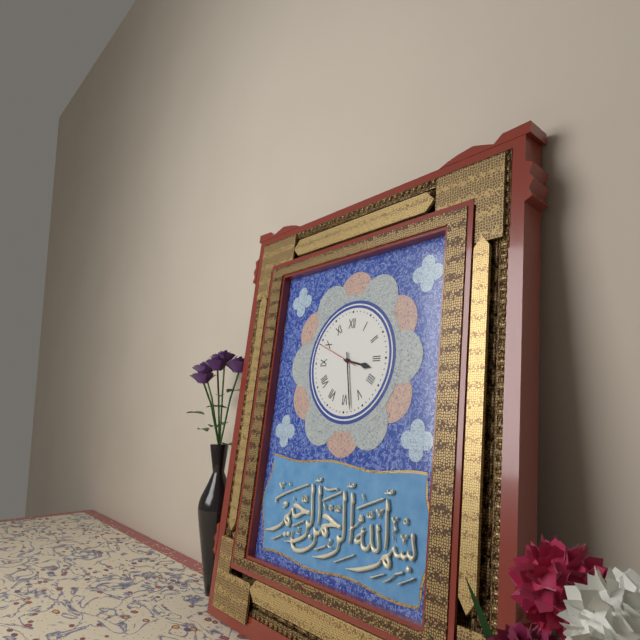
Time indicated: 3:28
